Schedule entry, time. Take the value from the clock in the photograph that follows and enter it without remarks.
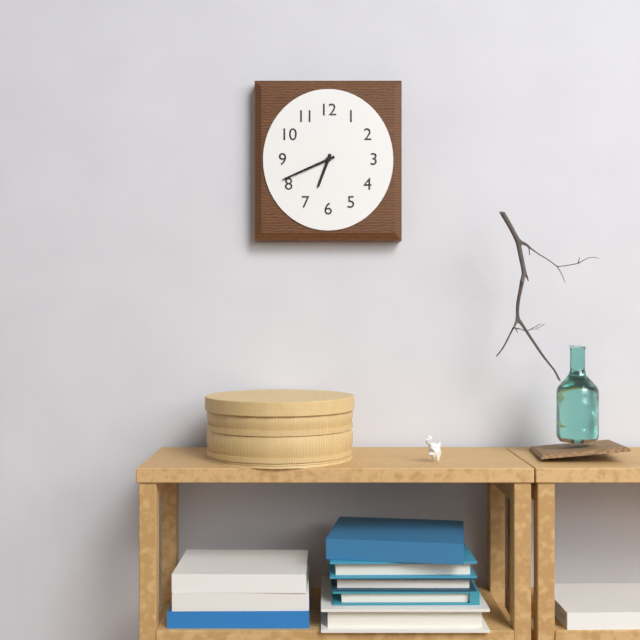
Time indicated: 6:41
